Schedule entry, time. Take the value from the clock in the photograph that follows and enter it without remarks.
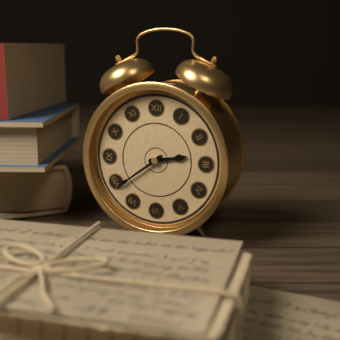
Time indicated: 2:39
